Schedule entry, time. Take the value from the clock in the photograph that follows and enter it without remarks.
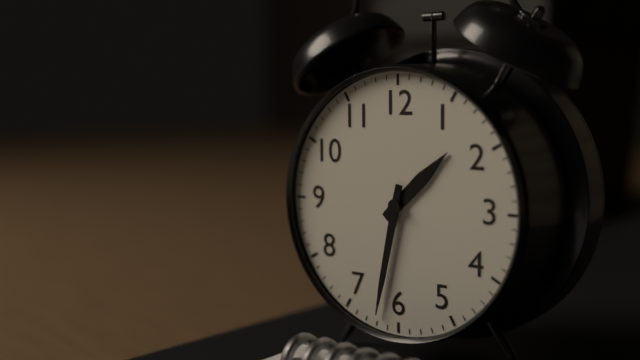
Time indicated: 1:32
